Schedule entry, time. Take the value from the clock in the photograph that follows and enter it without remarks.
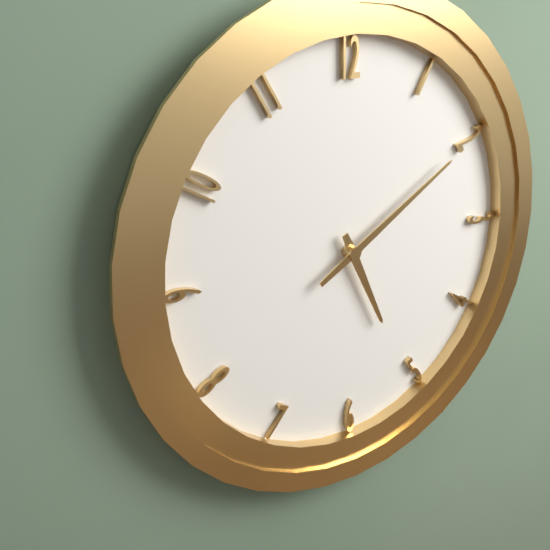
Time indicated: 5:10
